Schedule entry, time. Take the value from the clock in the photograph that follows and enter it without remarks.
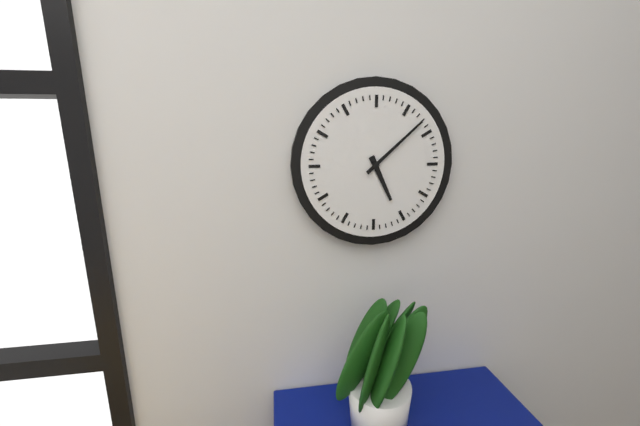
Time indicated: 5:08
